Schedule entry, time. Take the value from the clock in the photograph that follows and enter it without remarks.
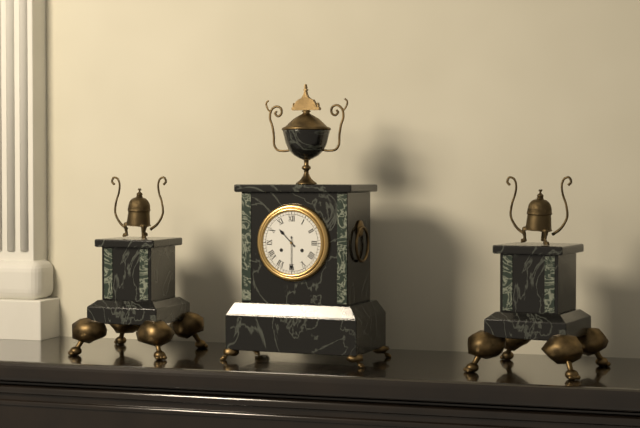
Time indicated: 10:30
